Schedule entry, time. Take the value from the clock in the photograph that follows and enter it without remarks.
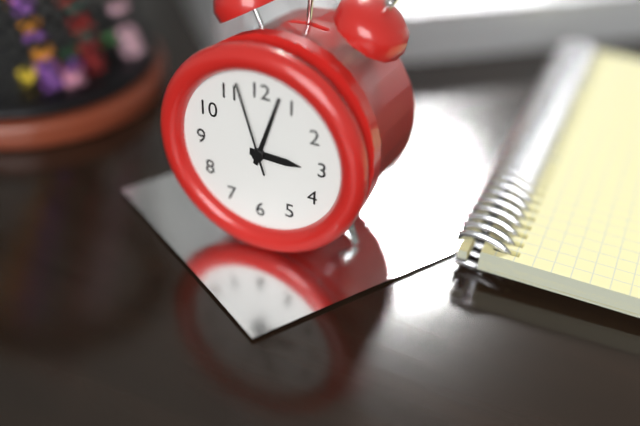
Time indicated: 3:03:57
